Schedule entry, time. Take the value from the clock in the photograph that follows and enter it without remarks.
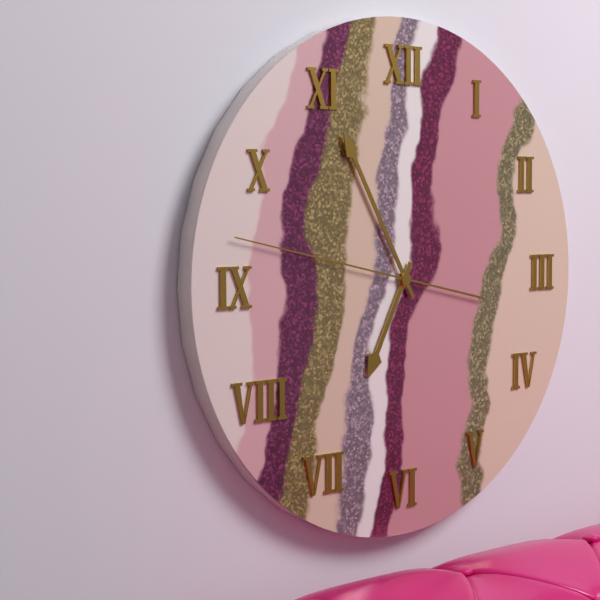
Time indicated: 6:55:47
